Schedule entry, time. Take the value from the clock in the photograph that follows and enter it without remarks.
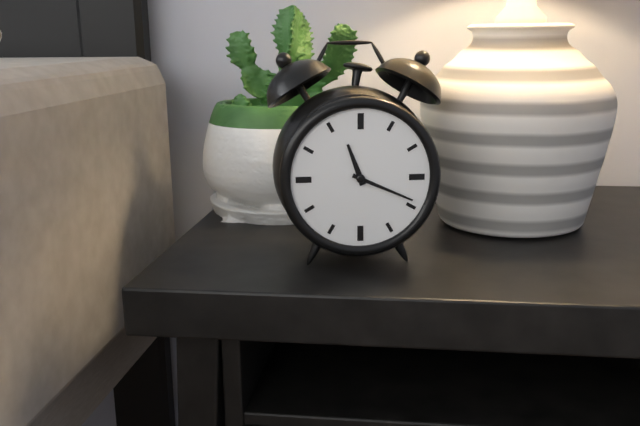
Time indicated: 11:19
